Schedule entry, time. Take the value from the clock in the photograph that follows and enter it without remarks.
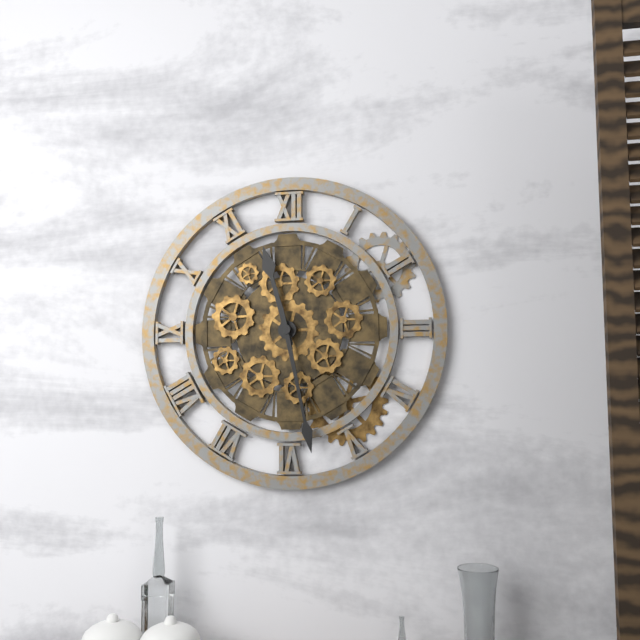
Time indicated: 11:28
